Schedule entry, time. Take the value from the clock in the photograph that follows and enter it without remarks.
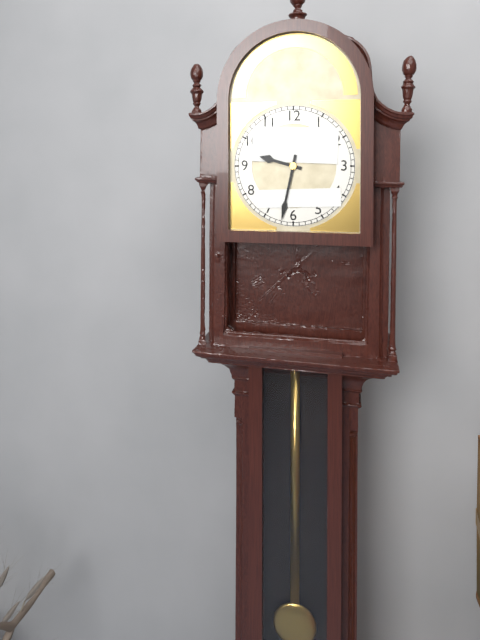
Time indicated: 9:32
